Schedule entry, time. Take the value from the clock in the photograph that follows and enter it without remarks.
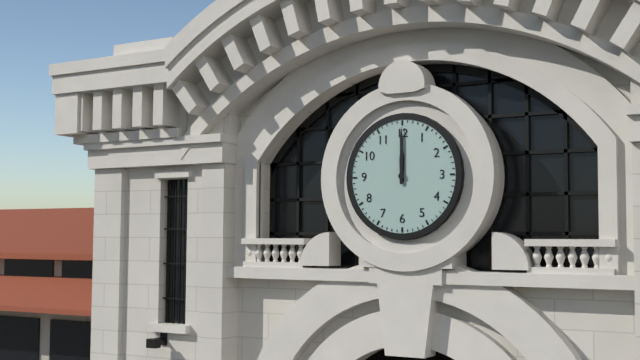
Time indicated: 12:00
